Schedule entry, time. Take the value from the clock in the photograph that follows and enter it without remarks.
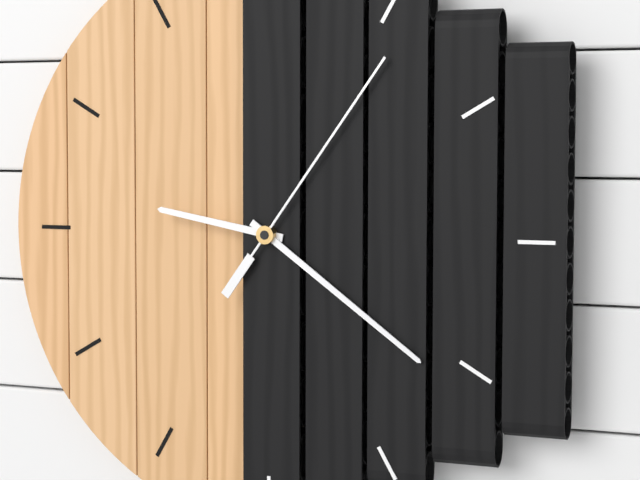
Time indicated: 9:21:06
